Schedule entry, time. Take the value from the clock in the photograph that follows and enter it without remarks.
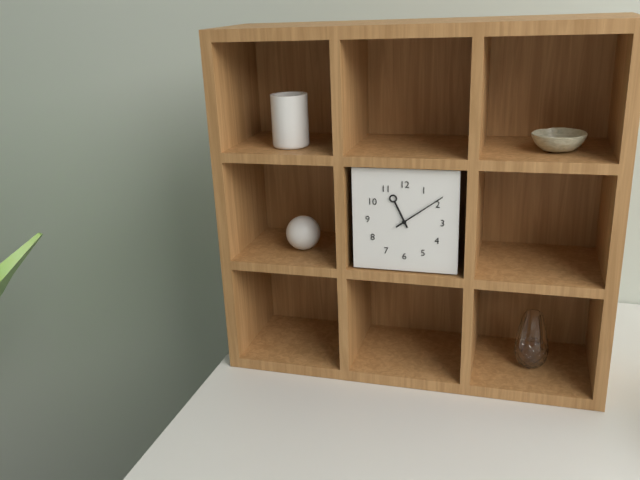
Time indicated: 11:09
